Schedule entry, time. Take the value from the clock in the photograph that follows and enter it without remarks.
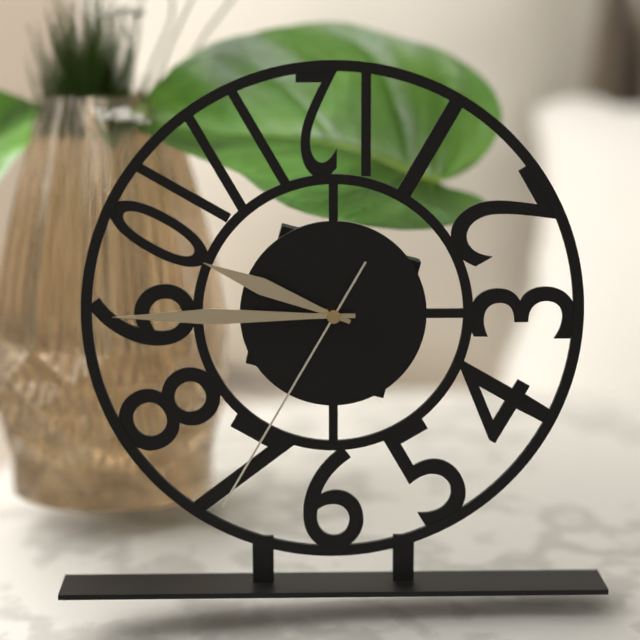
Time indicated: 9:45:35
